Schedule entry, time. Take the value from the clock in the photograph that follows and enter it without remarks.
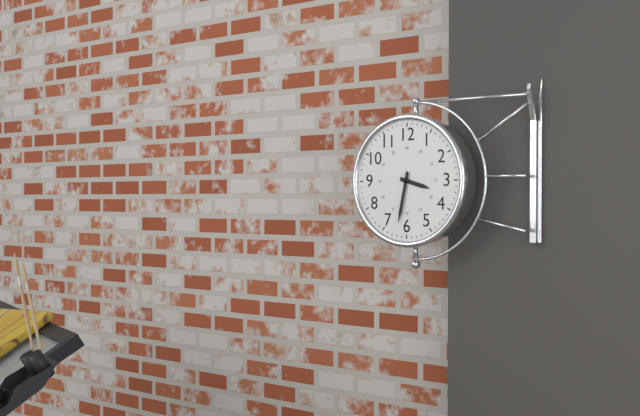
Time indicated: 3:32
